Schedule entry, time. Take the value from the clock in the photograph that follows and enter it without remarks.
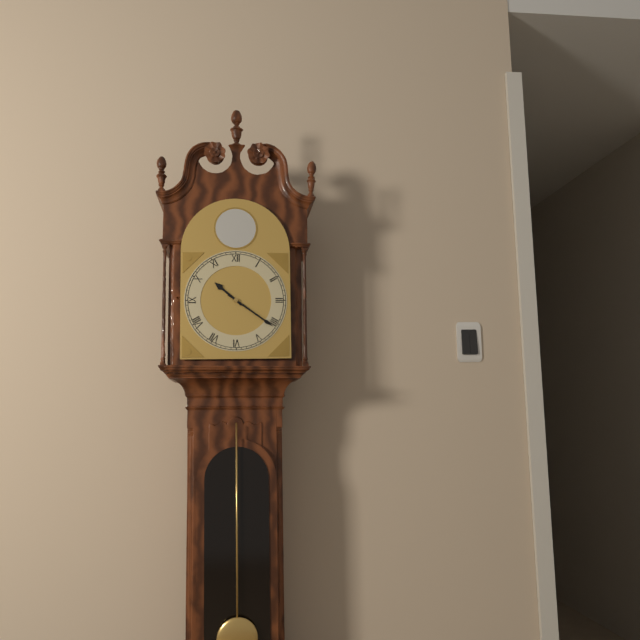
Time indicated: 10:21
